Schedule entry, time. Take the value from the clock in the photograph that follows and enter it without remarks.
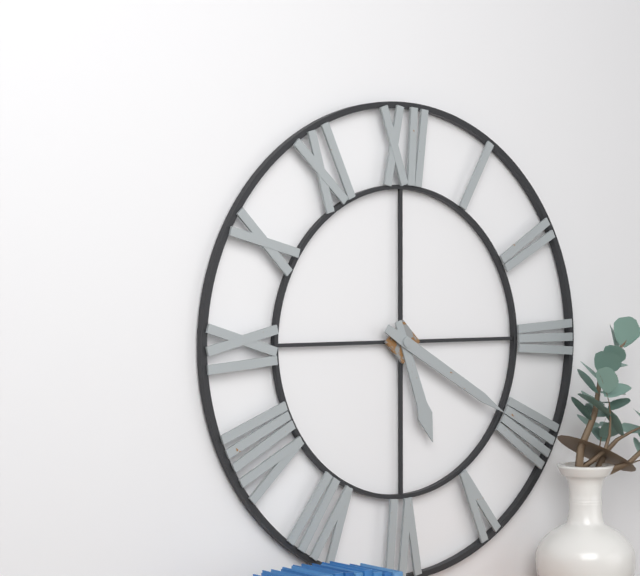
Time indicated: 5:20
